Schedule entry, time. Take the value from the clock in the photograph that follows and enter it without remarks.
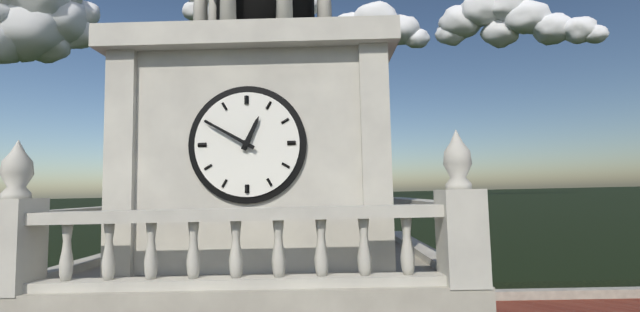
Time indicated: 12:50
